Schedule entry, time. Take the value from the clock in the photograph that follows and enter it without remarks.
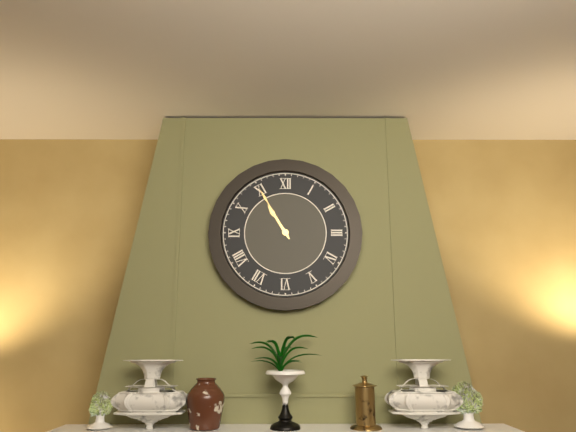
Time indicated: 10:55
